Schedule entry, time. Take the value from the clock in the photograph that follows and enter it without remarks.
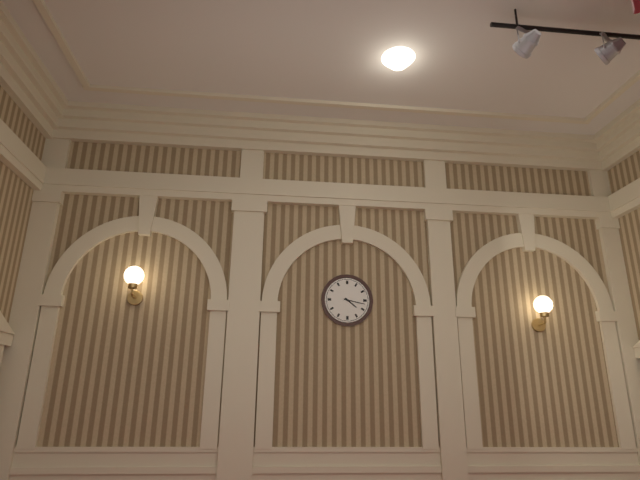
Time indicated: 4:17
